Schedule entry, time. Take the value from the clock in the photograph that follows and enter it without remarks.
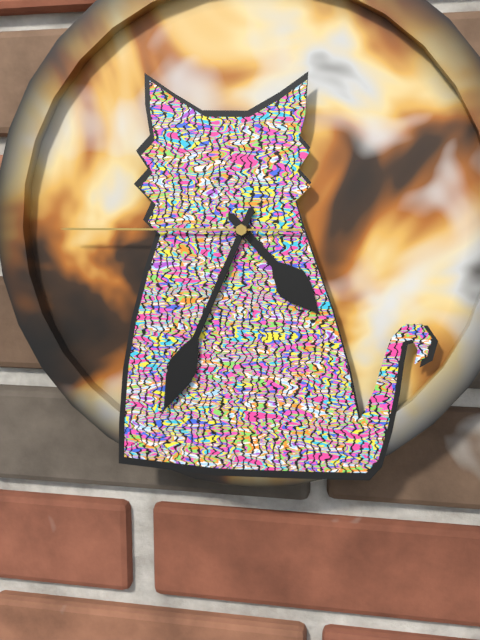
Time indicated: 4:34:45
